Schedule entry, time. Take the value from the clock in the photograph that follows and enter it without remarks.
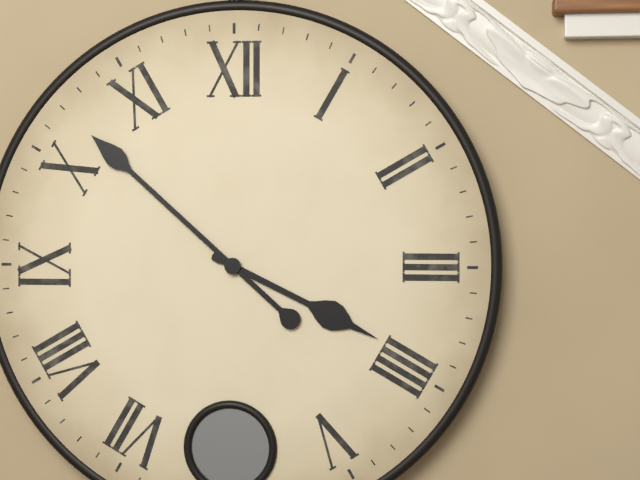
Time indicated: 3:52
